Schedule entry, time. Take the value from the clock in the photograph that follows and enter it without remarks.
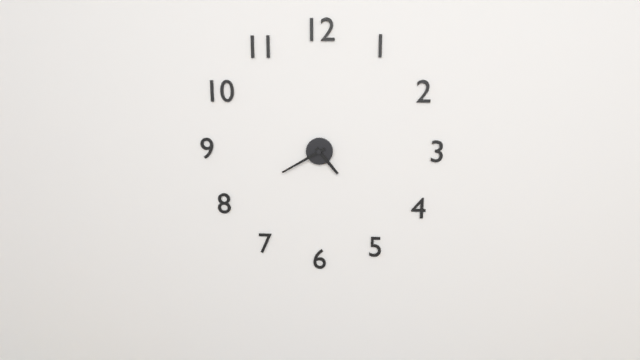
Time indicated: 4:40
